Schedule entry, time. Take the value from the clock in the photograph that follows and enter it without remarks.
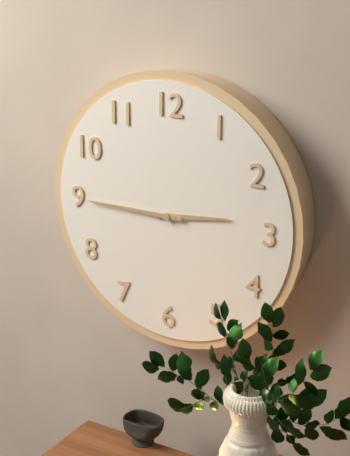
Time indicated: 2:45
